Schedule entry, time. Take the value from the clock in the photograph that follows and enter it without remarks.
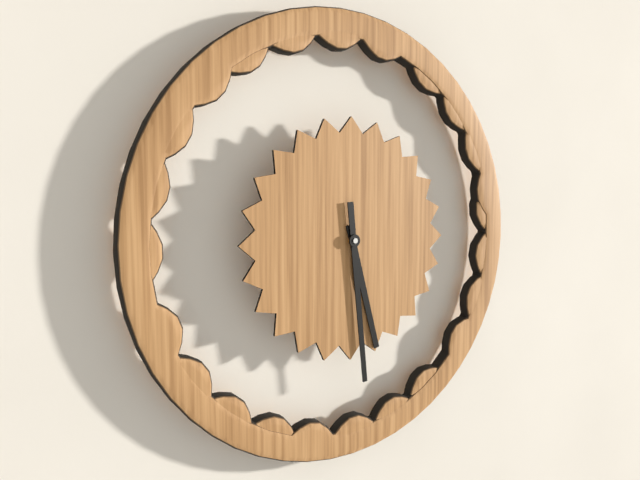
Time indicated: 5:29
